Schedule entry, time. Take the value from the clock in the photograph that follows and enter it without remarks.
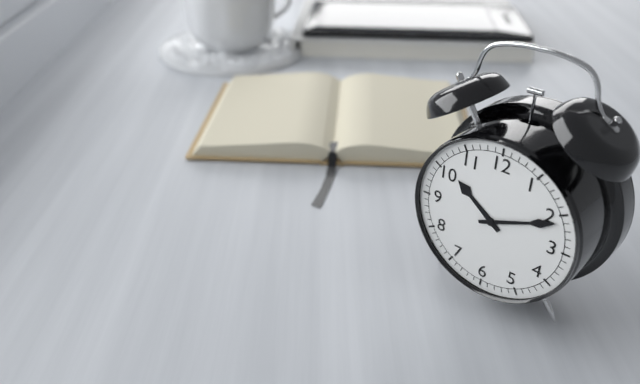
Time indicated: 10:11
